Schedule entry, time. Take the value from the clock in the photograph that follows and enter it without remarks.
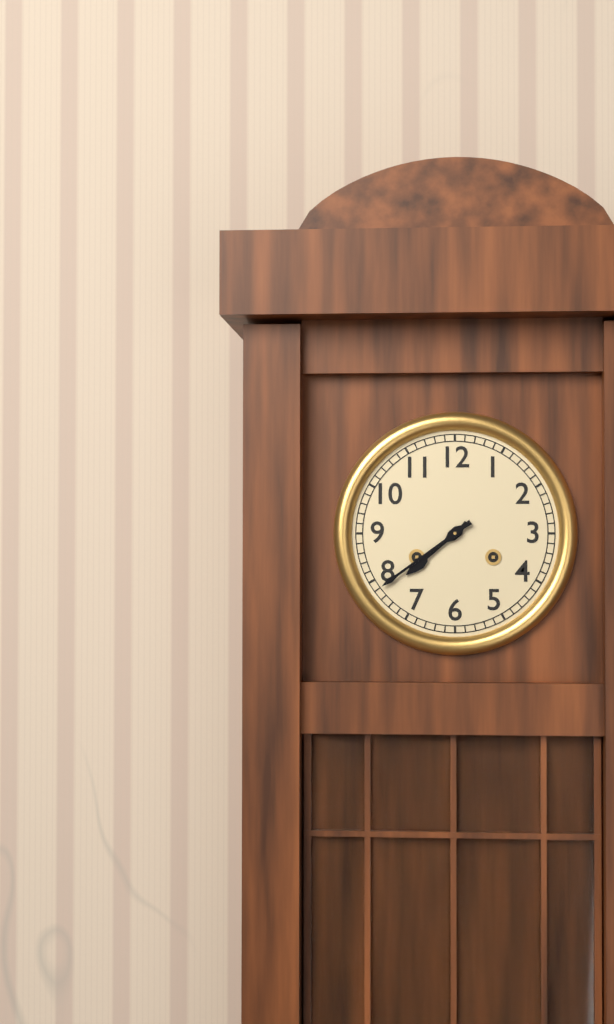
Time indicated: 7:39
